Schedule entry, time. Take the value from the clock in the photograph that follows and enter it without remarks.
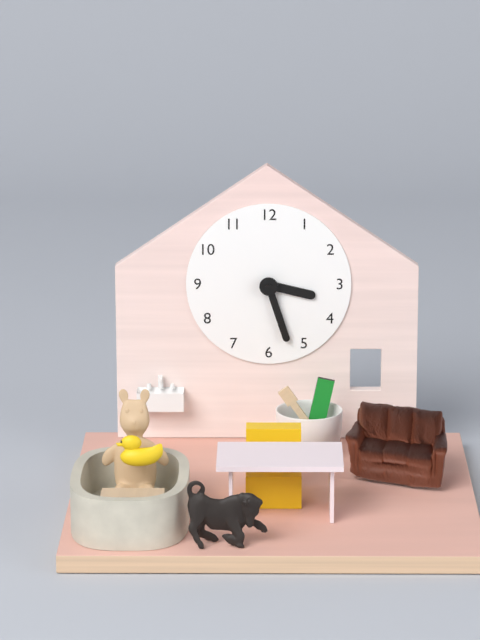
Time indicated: 3:27
